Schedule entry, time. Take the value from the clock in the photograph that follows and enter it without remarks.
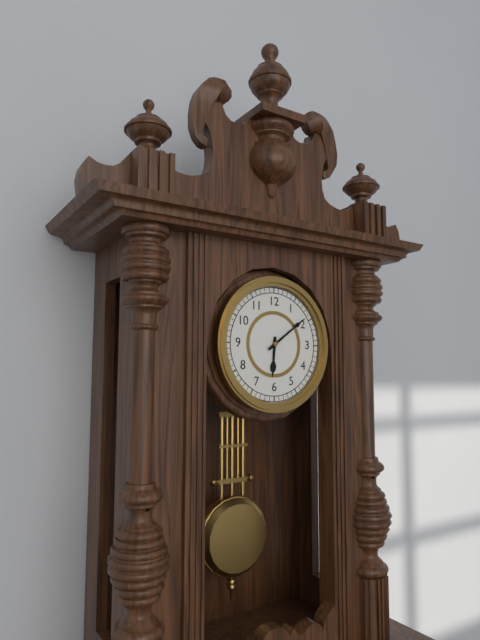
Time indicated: 6:09
